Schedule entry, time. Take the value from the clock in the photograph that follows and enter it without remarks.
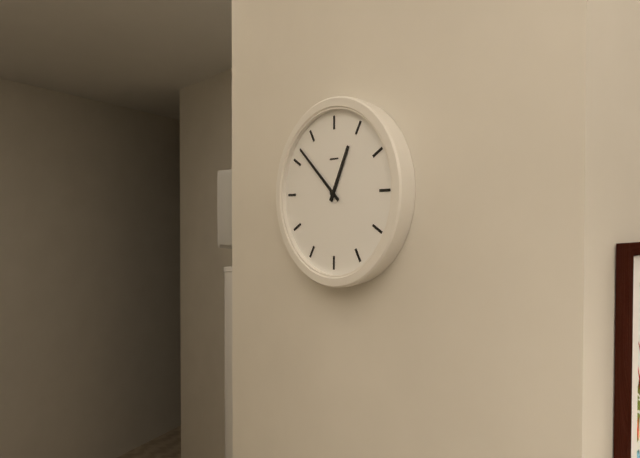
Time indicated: 12:52
